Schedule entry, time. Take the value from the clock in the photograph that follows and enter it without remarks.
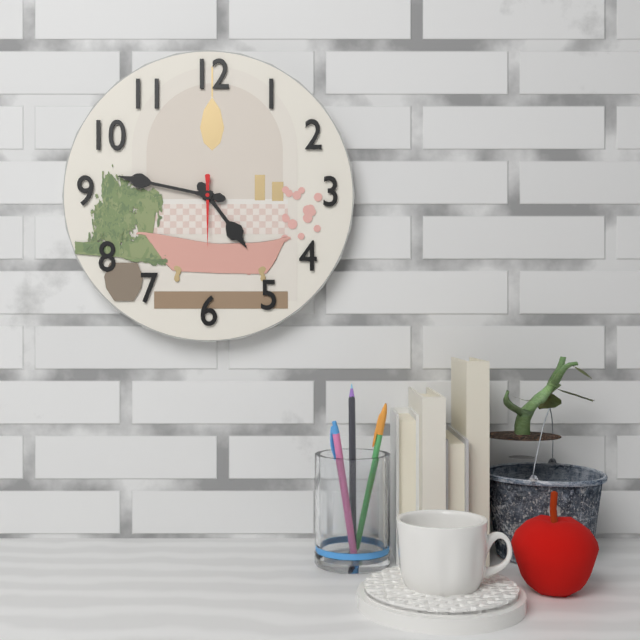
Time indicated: 4:47:30
